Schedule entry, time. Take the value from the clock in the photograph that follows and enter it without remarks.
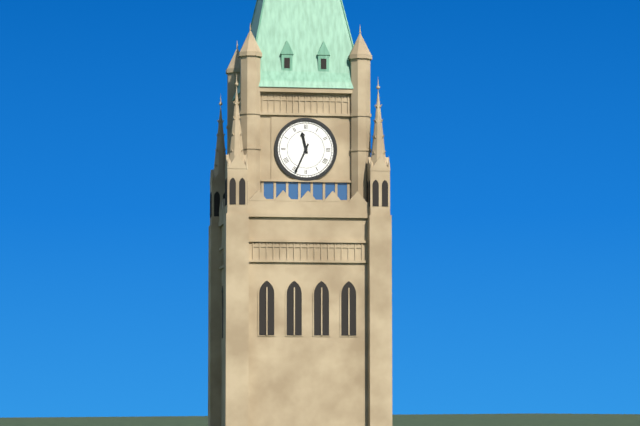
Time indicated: 11:34
